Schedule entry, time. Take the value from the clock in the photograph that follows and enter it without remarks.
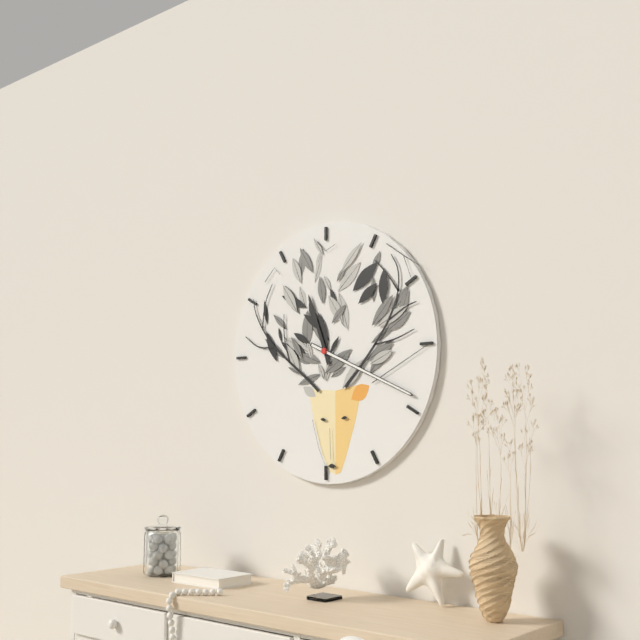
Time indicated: 11:19
